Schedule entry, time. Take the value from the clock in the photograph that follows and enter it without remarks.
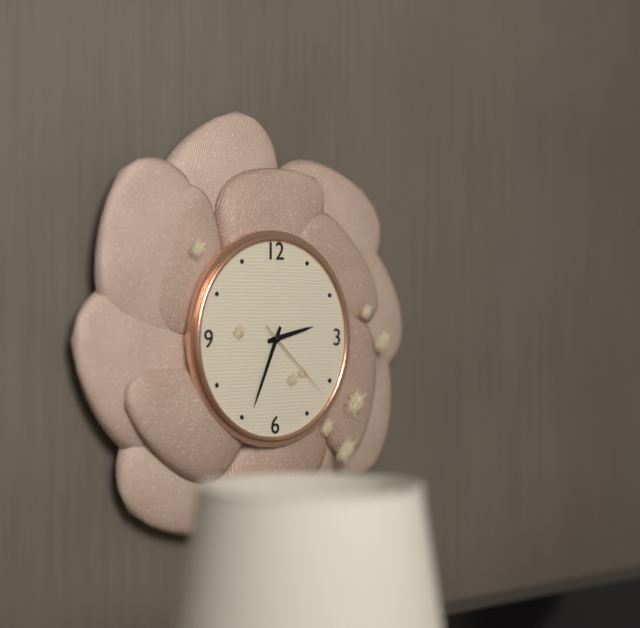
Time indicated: 2:34:22
